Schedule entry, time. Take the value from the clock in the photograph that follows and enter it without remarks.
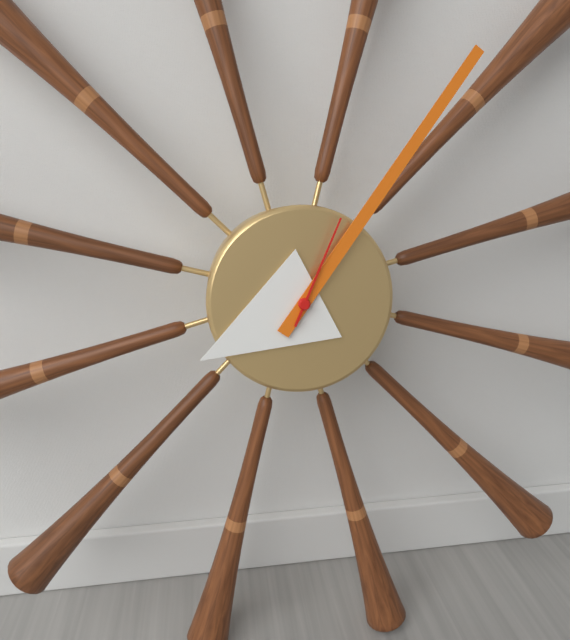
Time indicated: 8:06:04
